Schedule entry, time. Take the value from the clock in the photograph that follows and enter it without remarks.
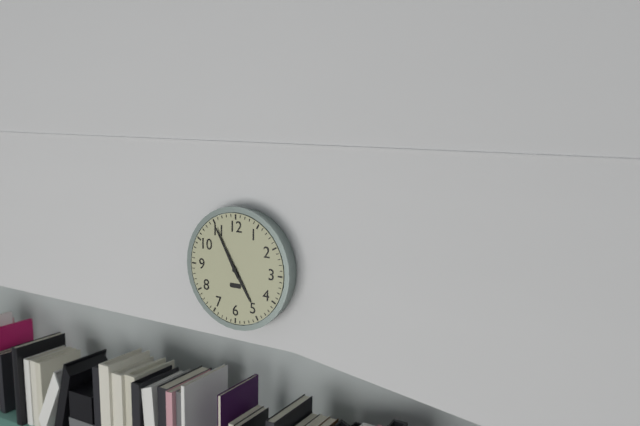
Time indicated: 4:55
